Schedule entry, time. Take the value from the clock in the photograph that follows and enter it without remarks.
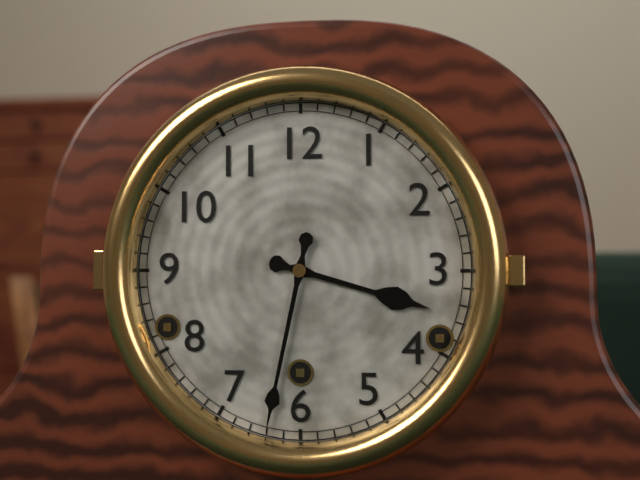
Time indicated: 3:32
